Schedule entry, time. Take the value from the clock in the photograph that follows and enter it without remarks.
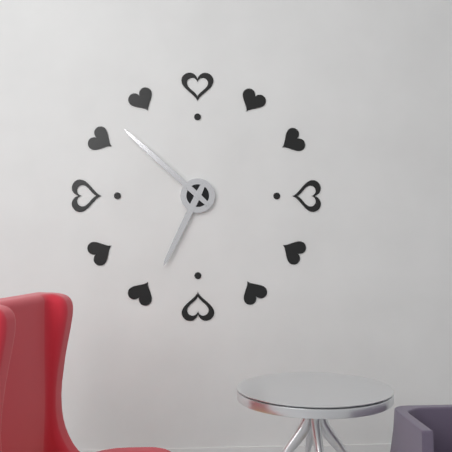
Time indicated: 6:52
